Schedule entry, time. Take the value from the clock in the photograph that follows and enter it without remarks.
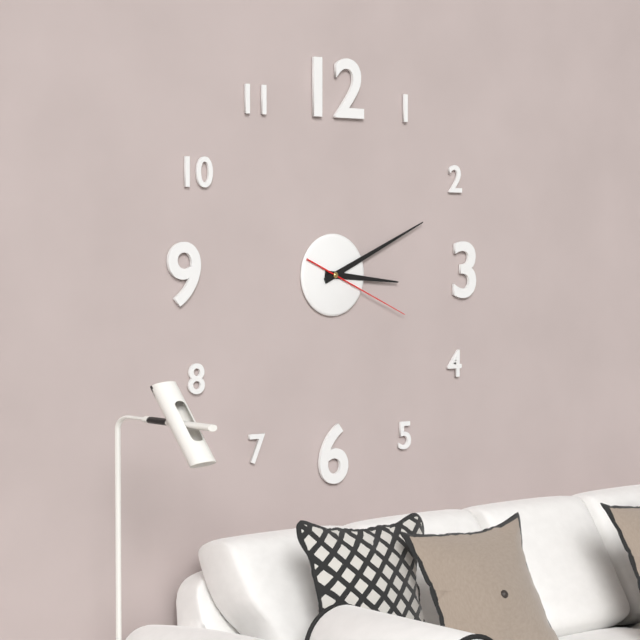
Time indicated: 3:11:19
